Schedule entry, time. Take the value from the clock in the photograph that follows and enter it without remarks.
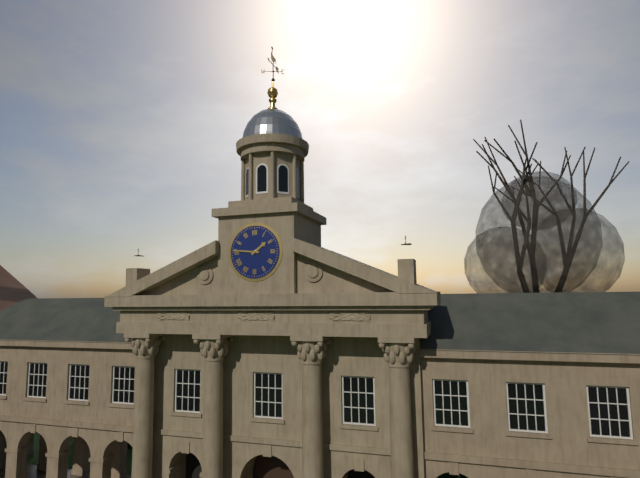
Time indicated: 1:46
